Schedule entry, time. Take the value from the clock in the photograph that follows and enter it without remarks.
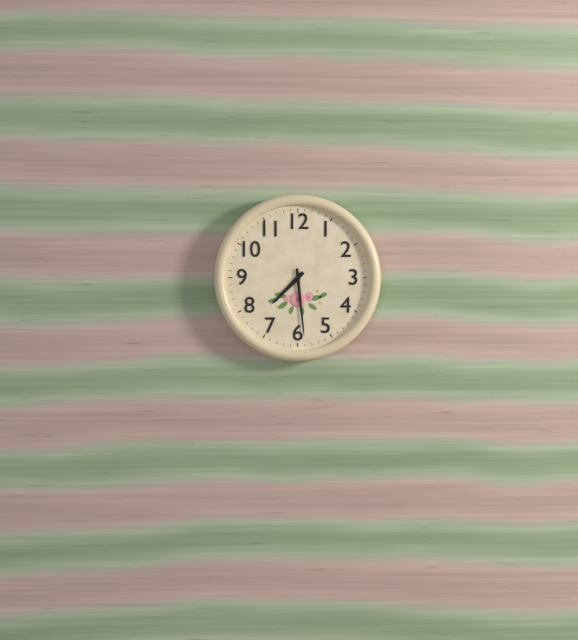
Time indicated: 7:29
